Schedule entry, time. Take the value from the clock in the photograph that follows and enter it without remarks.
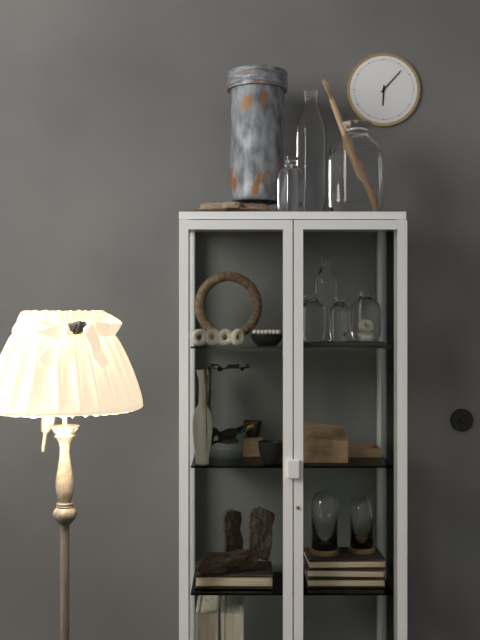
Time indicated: 6:07
